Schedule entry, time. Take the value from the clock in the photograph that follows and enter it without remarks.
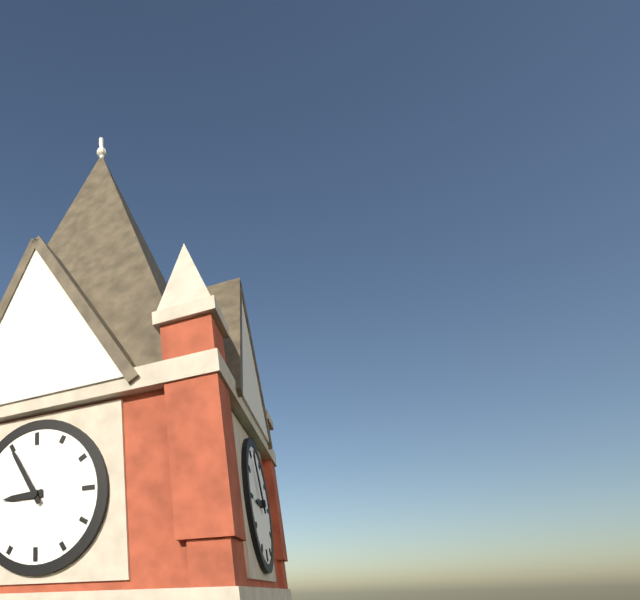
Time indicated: 8:55
